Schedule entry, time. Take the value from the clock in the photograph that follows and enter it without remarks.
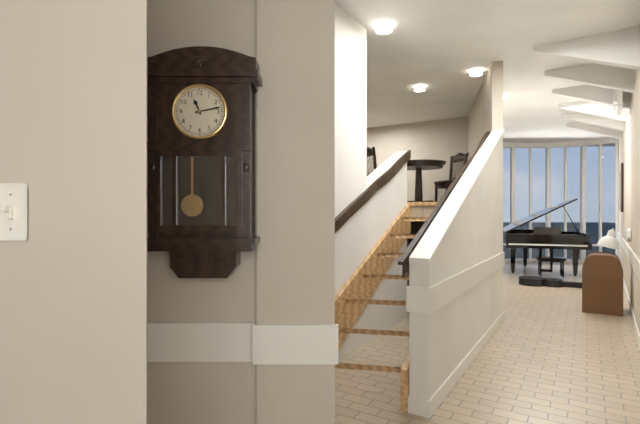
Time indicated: 11:13
